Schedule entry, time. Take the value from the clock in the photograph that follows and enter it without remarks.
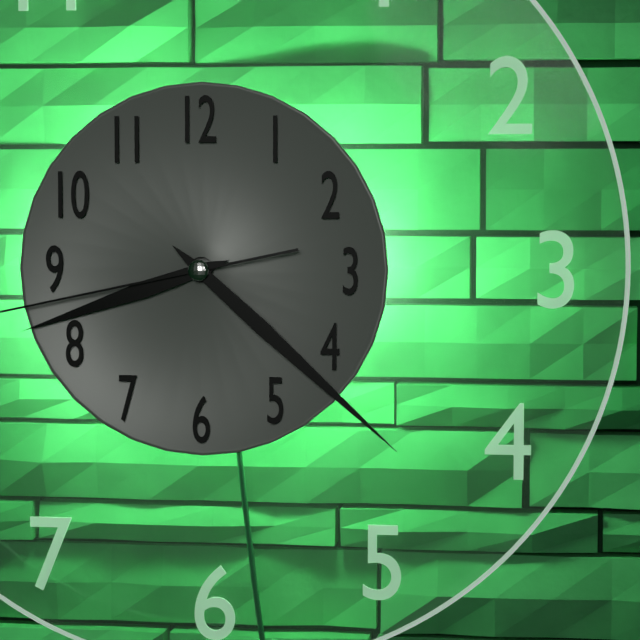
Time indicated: 8:22
